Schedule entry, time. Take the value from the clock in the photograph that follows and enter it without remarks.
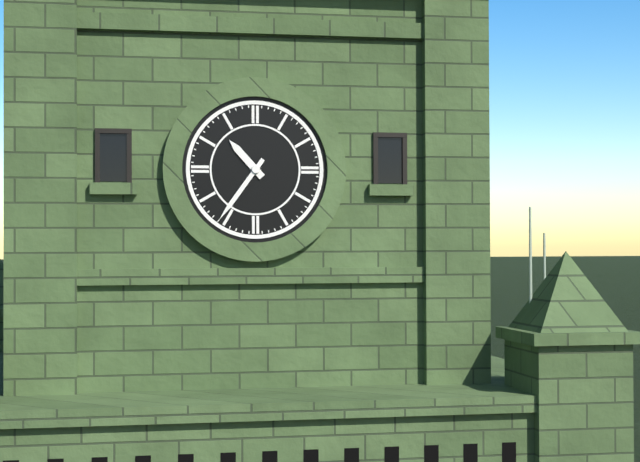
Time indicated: 10:36
